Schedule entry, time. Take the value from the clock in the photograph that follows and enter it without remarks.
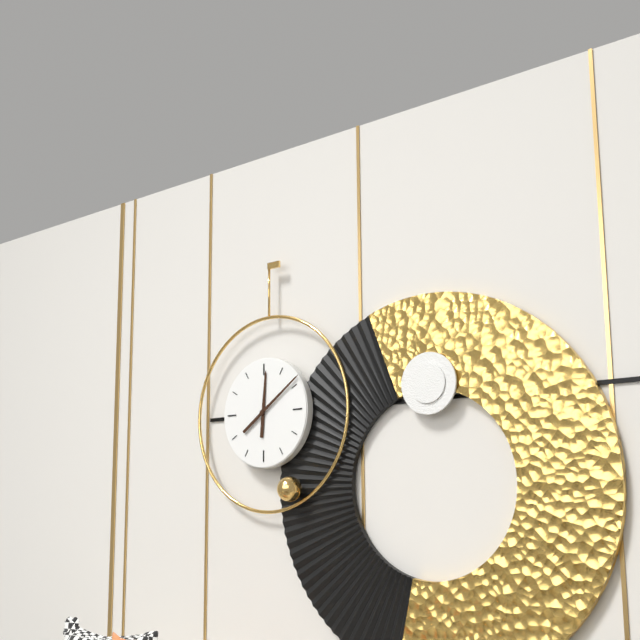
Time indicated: 12:09
